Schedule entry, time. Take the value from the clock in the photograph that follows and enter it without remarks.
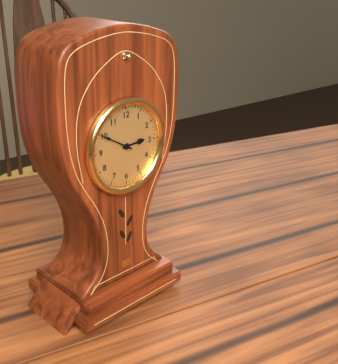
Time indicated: 2:50
